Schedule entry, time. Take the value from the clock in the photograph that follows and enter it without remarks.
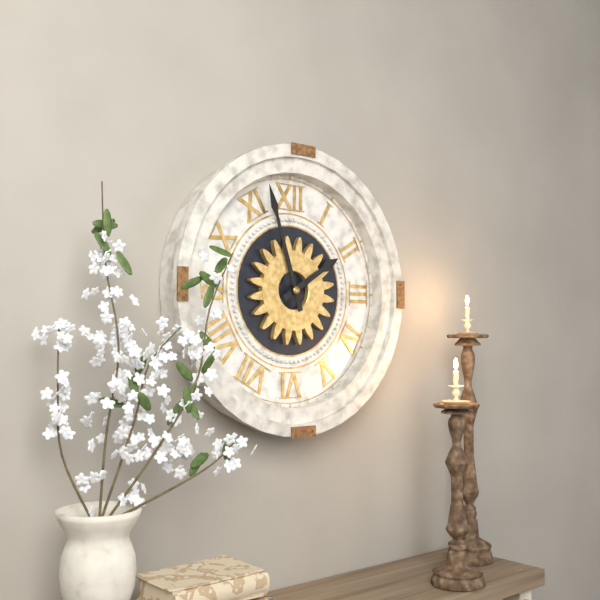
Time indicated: 1:57
